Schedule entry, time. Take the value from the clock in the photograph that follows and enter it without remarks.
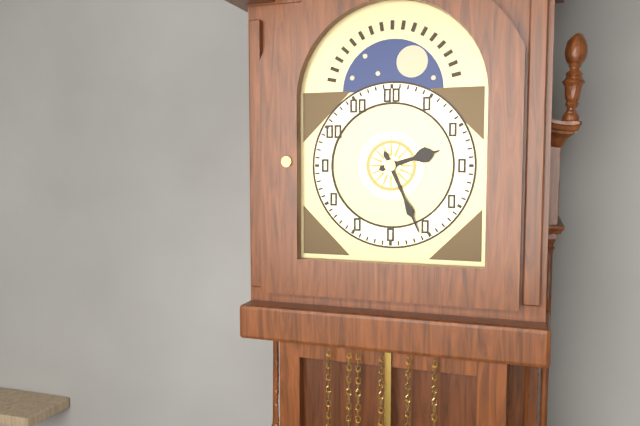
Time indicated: 2:26
